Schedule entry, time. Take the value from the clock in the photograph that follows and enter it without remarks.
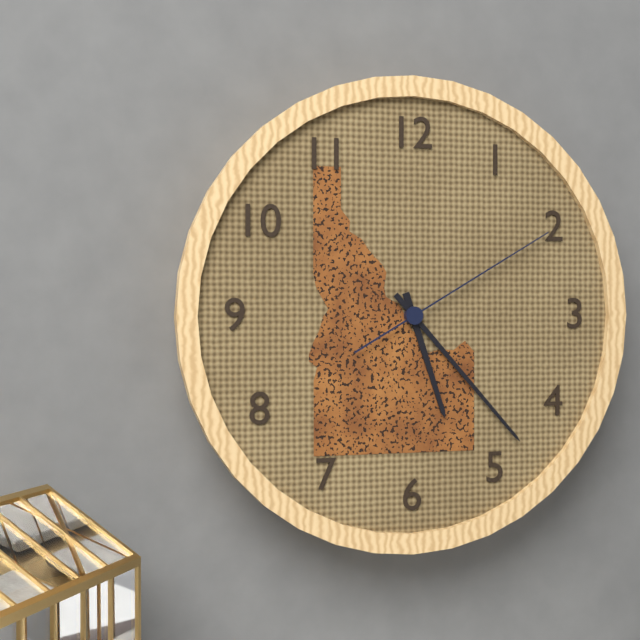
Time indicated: 5:23:10
